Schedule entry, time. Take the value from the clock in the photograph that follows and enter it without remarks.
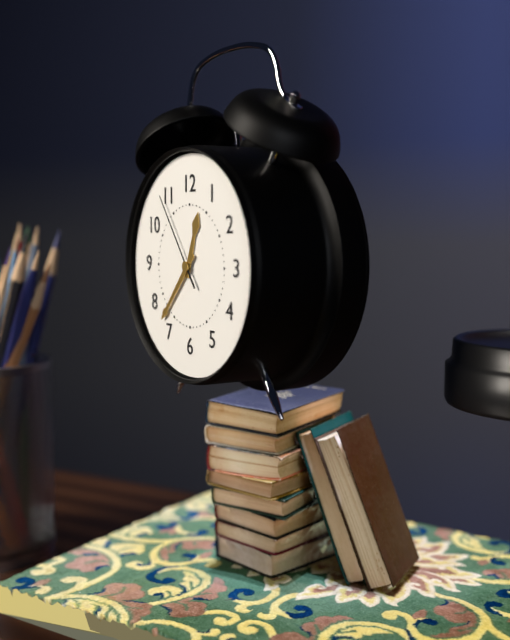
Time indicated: 12:37:54
